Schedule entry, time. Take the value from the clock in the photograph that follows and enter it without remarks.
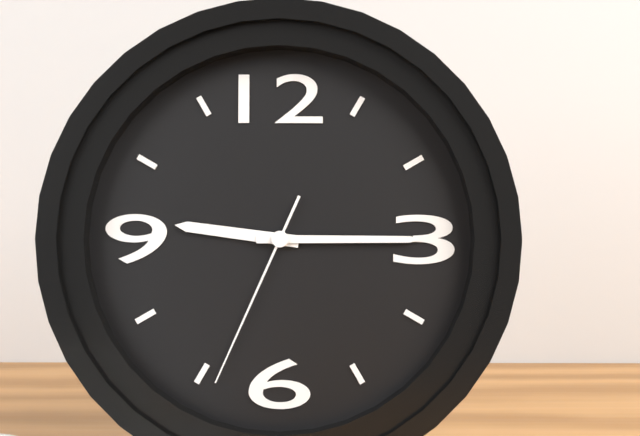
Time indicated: 9:15:34
